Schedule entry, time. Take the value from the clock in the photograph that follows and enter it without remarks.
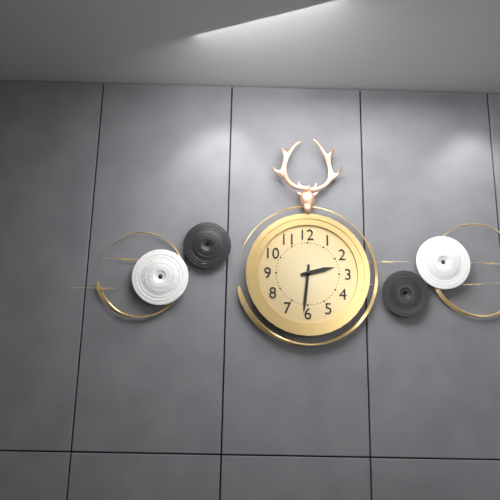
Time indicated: 2:31
